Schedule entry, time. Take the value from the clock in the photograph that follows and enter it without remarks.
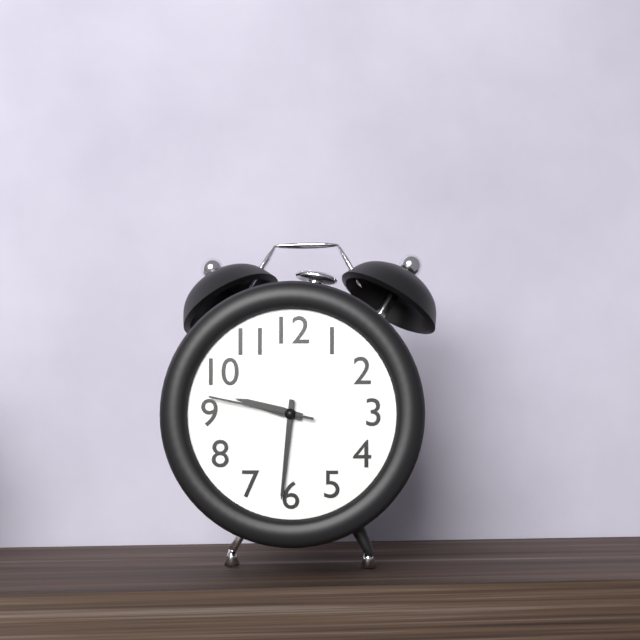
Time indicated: 9:31:47
